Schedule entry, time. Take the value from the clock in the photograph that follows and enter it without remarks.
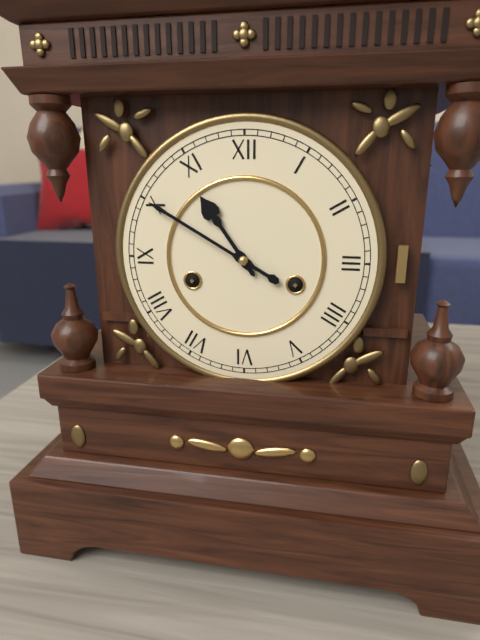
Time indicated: 10:50
